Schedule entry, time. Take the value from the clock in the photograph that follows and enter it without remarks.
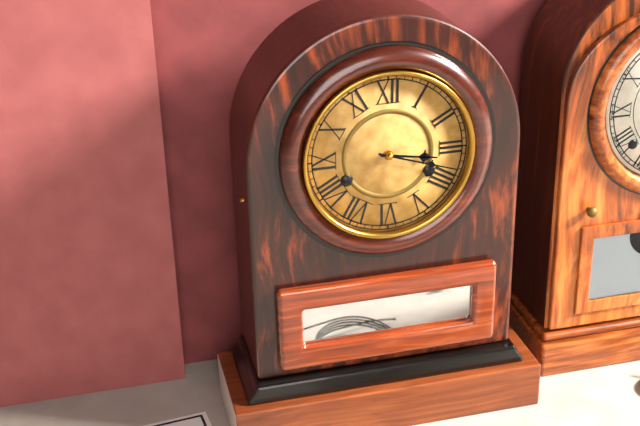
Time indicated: 3:18
